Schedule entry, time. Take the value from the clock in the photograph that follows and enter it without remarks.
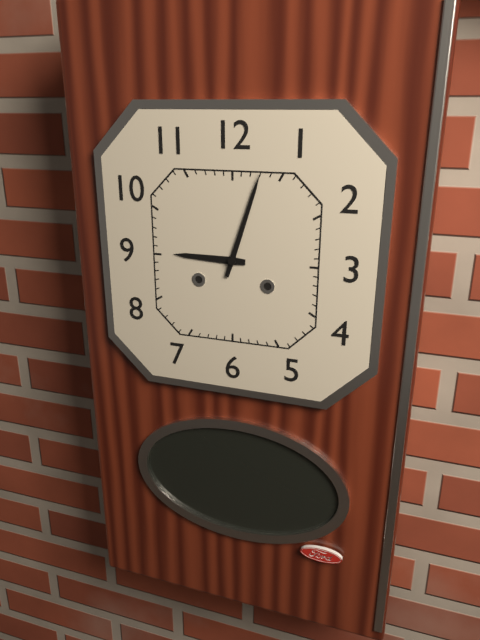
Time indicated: 9:03
